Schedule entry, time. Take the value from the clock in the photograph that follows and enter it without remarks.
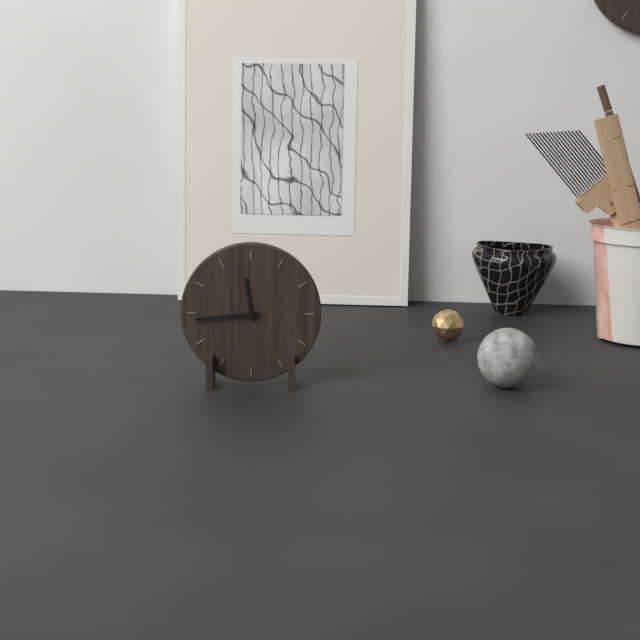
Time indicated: 11:44
